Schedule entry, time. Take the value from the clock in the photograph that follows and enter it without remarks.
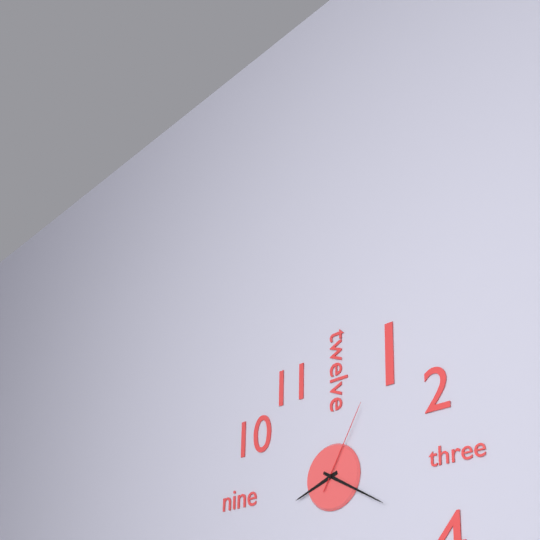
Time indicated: 8:20:05
